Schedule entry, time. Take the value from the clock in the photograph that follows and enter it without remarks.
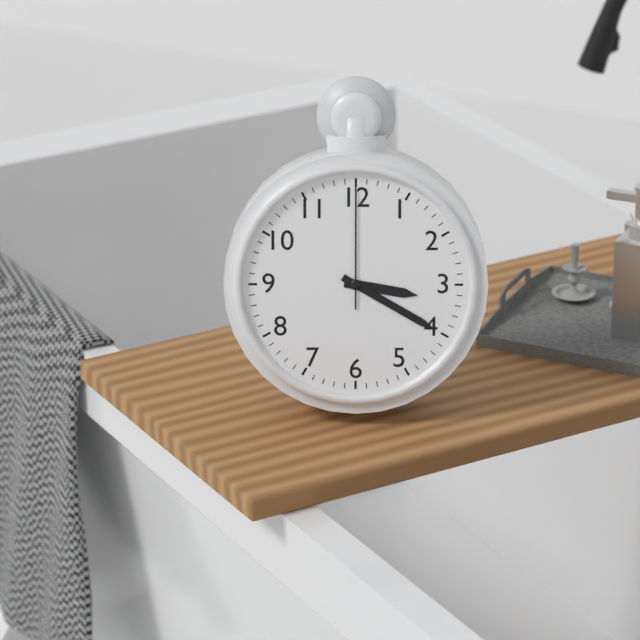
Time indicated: 3:20:00
